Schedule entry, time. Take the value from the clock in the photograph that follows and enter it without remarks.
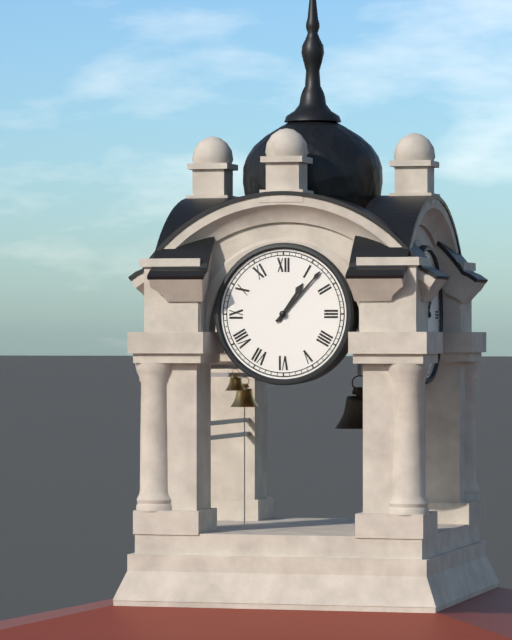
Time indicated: 1:07
